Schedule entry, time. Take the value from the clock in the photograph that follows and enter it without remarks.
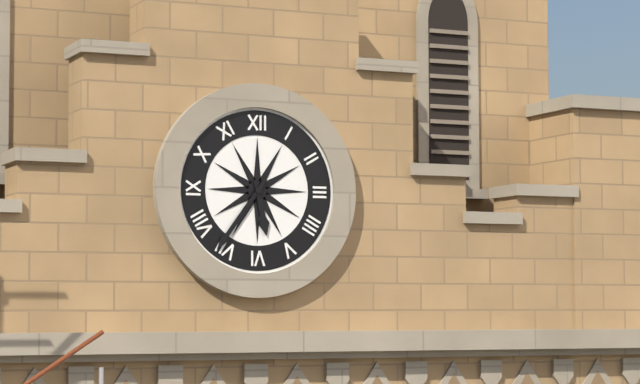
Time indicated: 5:36
